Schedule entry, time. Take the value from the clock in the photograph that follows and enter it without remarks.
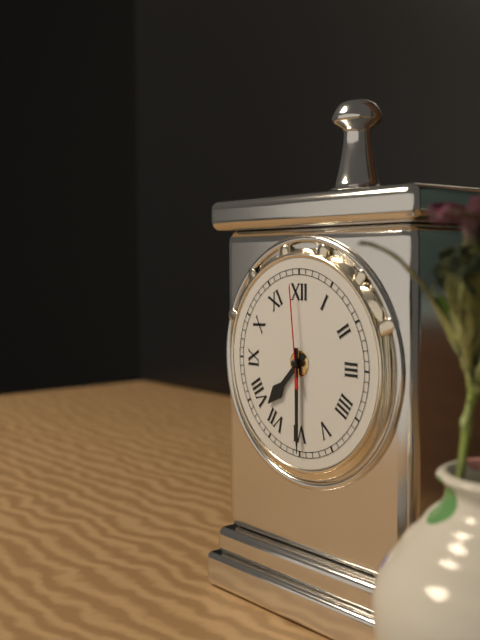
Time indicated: 7:30:59
